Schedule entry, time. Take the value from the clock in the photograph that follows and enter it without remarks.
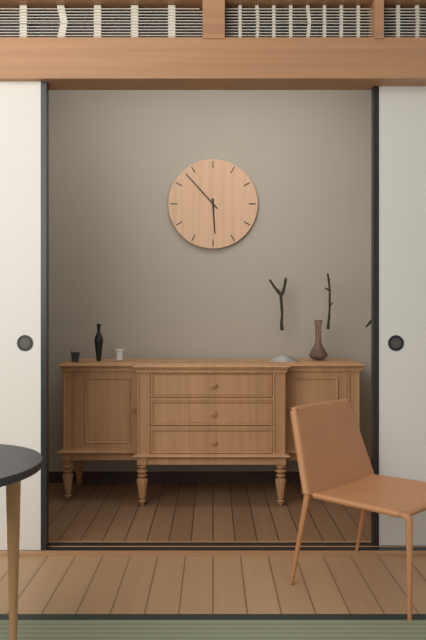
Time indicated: 5:53
